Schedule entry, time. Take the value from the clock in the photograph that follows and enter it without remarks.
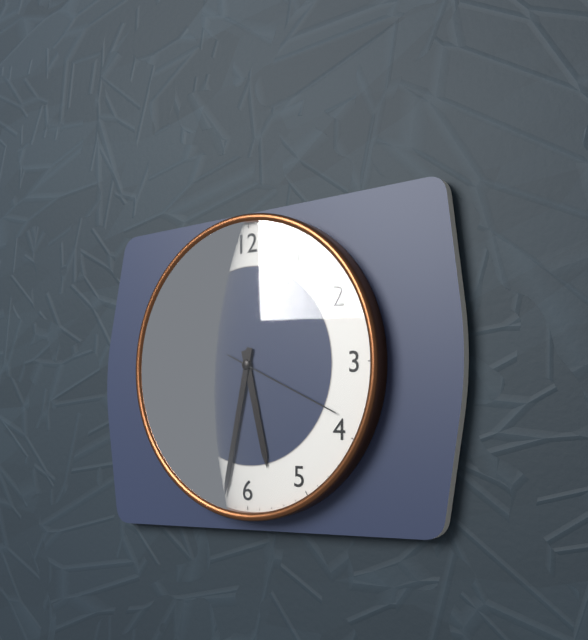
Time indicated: 5:32:19
